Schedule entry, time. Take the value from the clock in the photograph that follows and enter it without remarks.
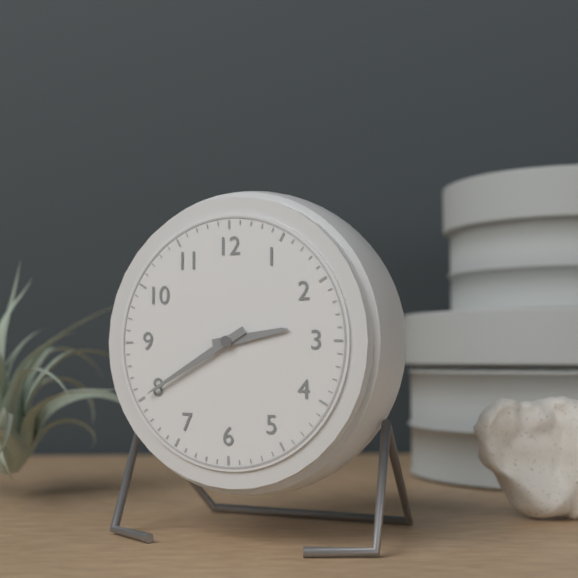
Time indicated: 2:40
